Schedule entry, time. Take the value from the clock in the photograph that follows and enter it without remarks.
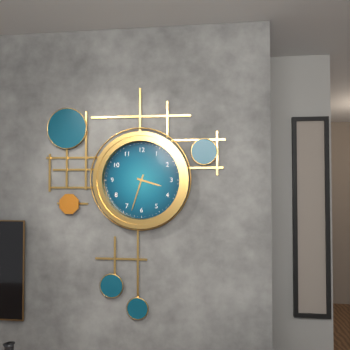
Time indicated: 3:33
